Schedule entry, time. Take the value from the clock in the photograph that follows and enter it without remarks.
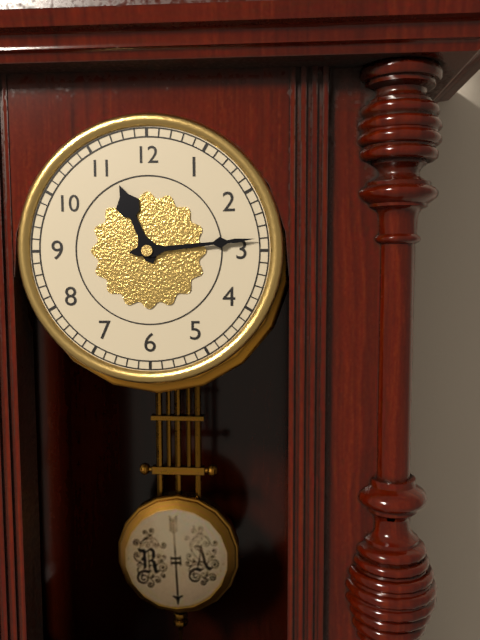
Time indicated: 11:14
